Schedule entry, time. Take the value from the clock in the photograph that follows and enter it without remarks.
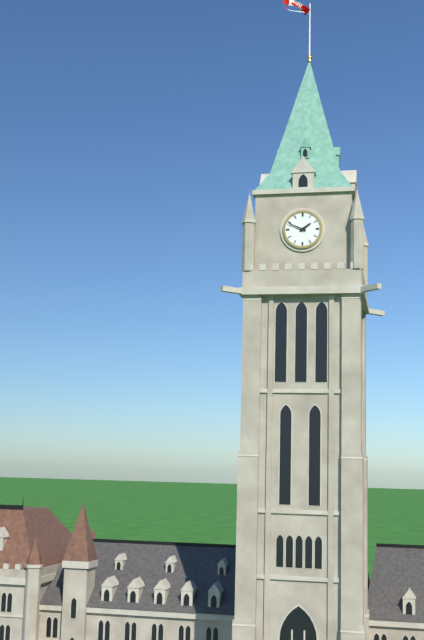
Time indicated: 1:49
